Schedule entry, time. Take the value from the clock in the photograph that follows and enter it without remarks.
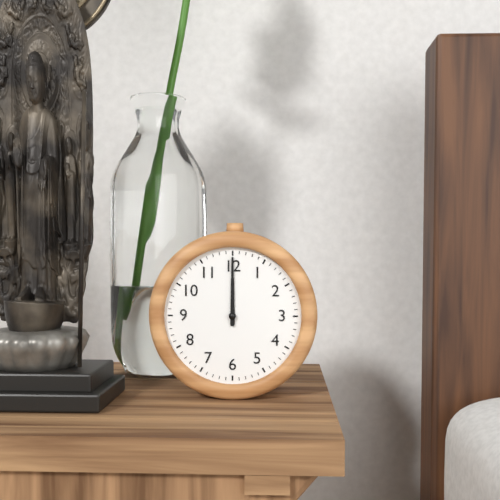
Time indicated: 12:00
